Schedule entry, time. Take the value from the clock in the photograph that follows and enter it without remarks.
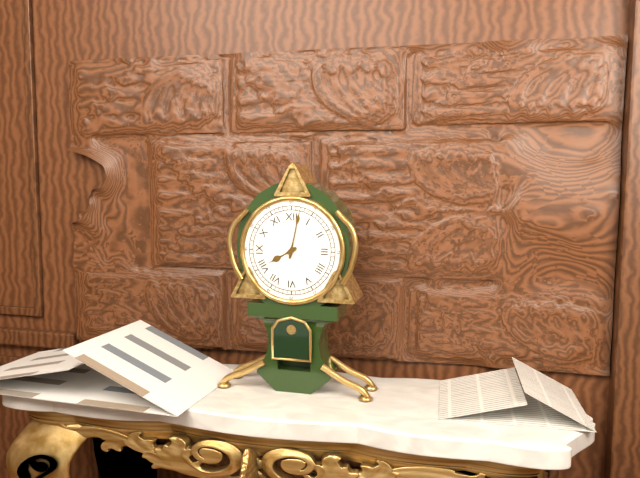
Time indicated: 8:02
